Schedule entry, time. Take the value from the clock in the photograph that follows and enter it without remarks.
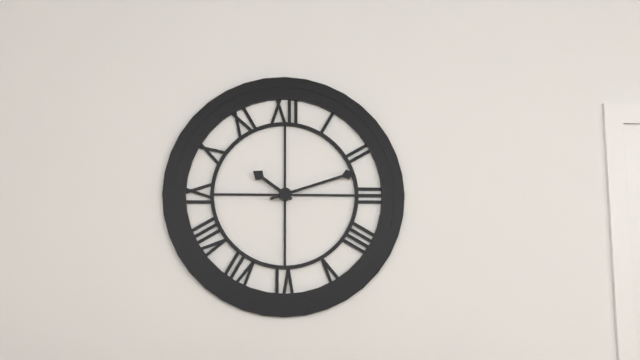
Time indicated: 10:12
